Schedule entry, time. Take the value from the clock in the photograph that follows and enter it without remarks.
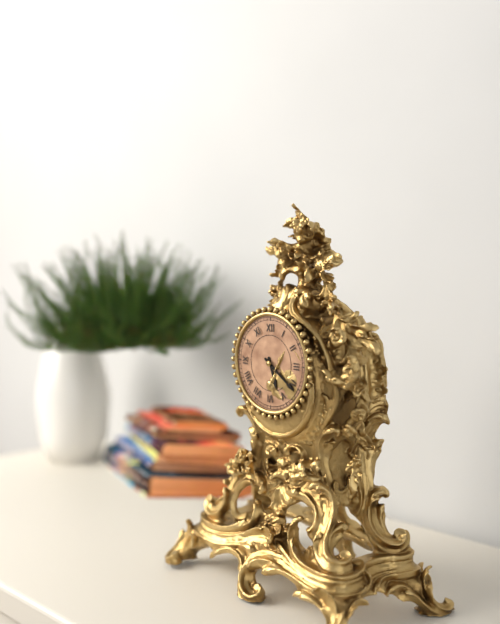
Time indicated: 5:21
